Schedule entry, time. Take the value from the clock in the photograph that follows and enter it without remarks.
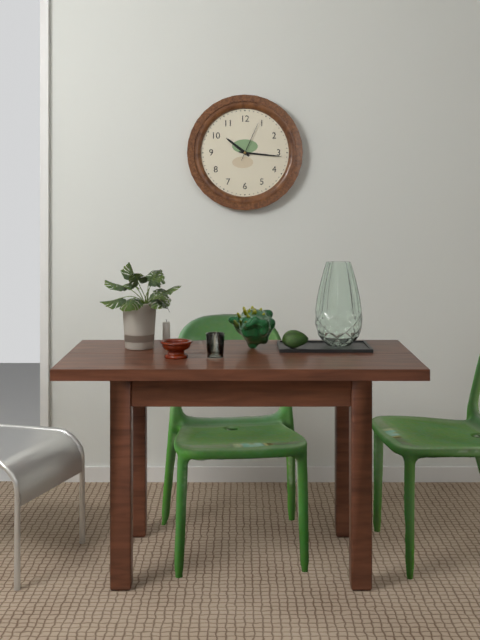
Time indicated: 10:16
